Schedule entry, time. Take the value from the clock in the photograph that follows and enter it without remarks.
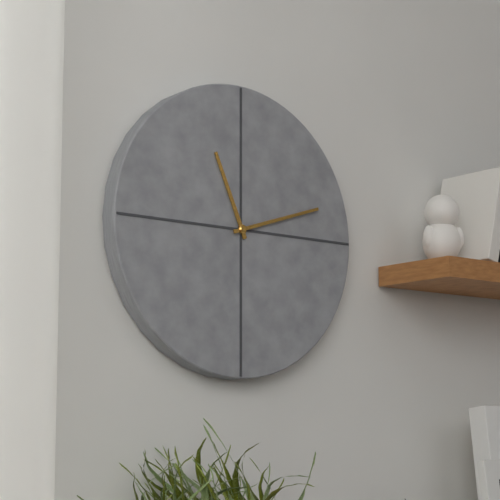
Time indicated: 11:12
